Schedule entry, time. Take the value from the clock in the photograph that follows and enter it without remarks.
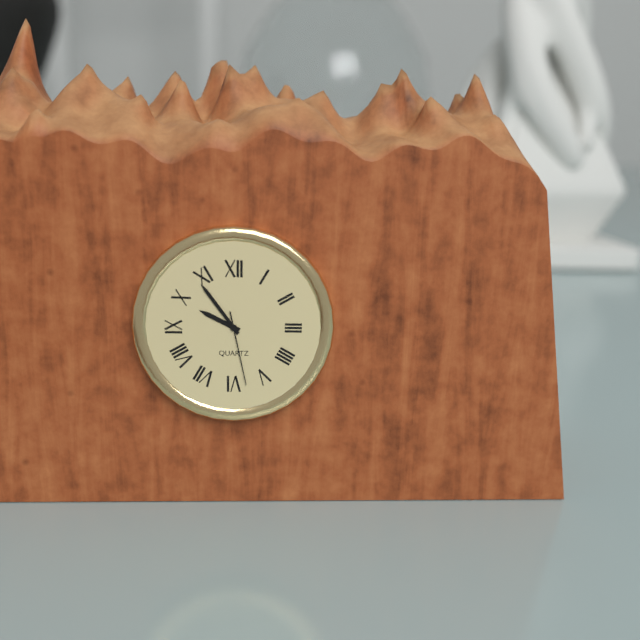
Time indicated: 9:54:28
